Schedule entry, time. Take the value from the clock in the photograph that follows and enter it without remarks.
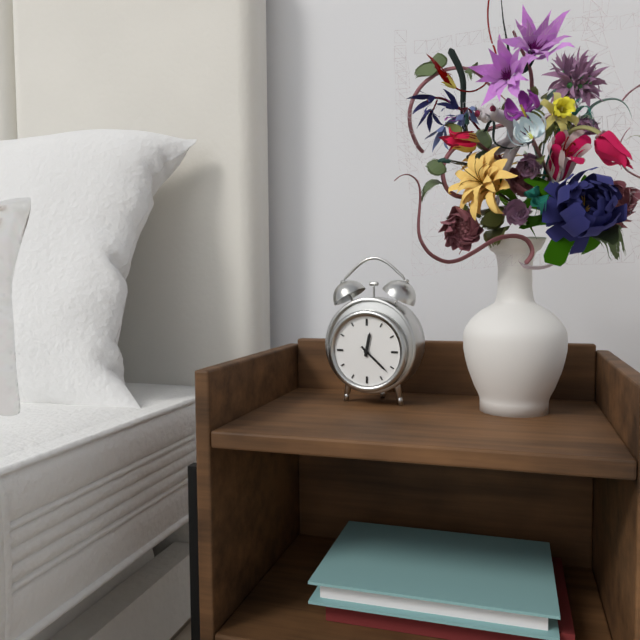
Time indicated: 12:22
